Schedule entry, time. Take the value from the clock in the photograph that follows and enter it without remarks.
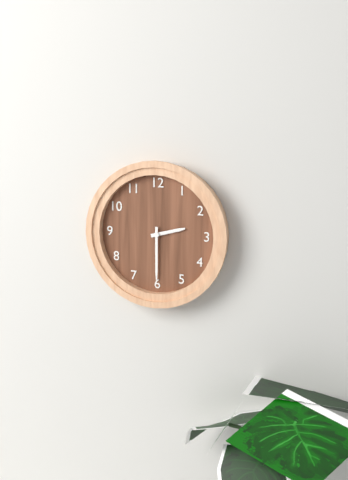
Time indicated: 2:30
